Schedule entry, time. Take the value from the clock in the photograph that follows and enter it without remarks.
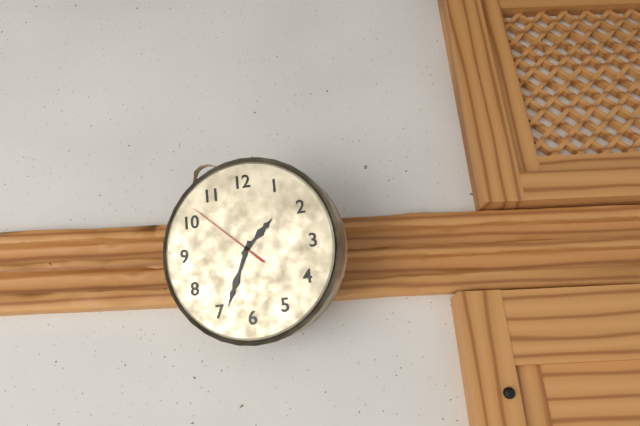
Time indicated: 1:34:52
